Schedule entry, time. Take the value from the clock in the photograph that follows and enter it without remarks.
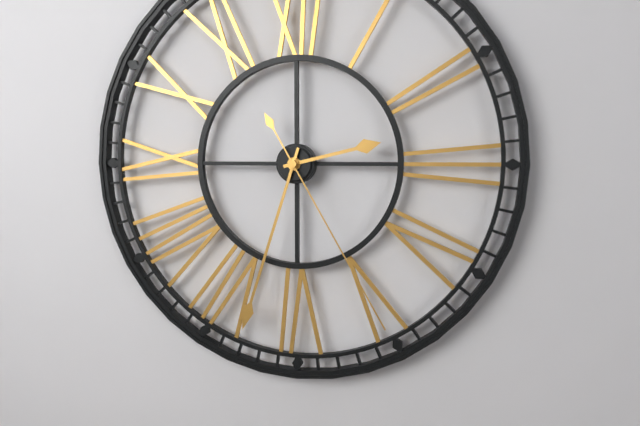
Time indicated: 2:33:25
